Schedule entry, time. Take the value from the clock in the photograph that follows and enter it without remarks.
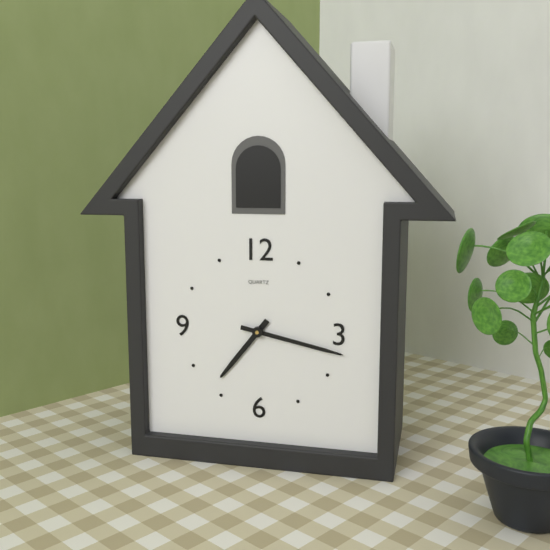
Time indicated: 7:17
